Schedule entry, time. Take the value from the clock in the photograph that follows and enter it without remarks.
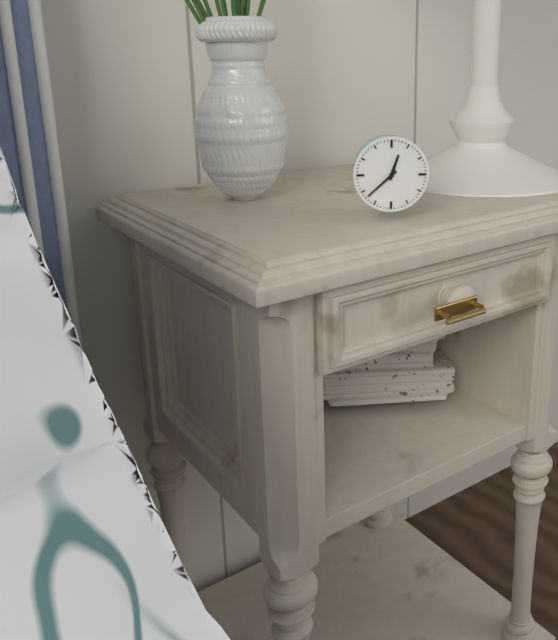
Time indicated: 12:38
